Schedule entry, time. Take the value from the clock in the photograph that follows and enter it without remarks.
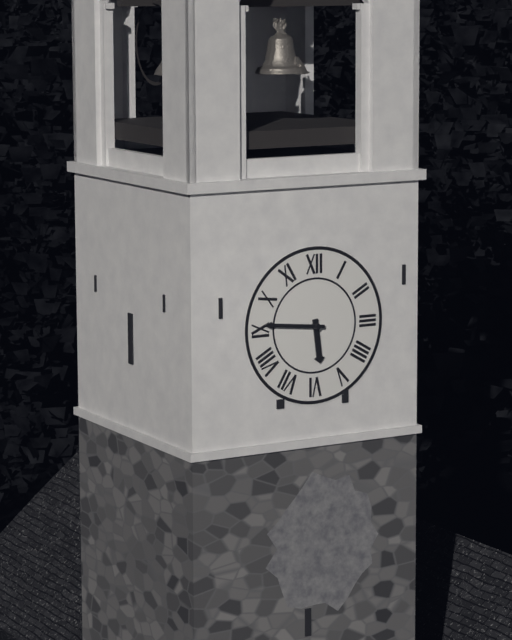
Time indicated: 5:46
